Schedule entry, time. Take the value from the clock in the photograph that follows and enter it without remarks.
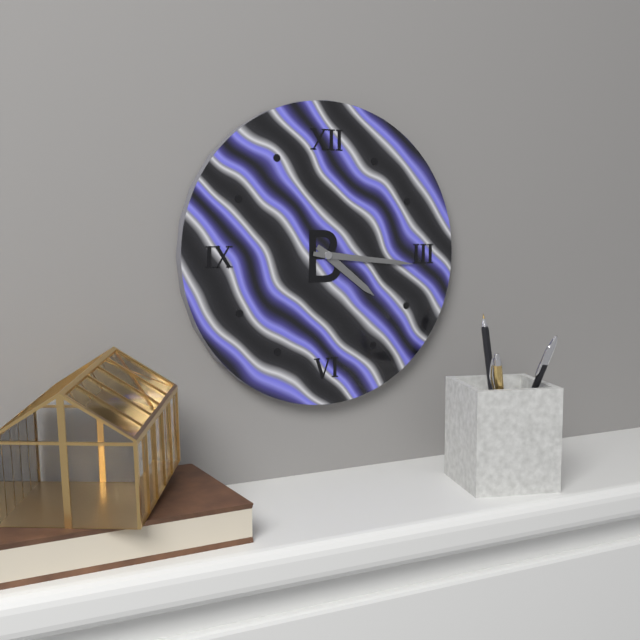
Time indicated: 4:16
